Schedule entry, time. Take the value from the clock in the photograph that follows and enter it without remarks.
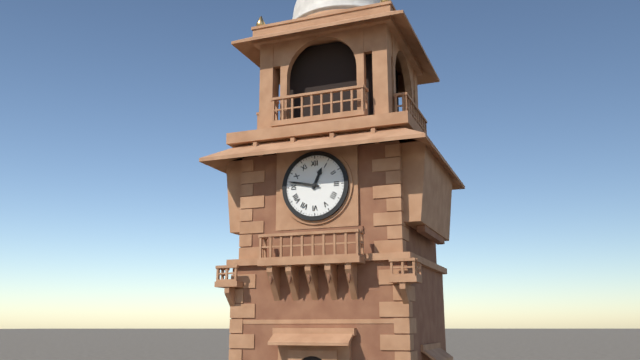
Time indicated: 12:47
